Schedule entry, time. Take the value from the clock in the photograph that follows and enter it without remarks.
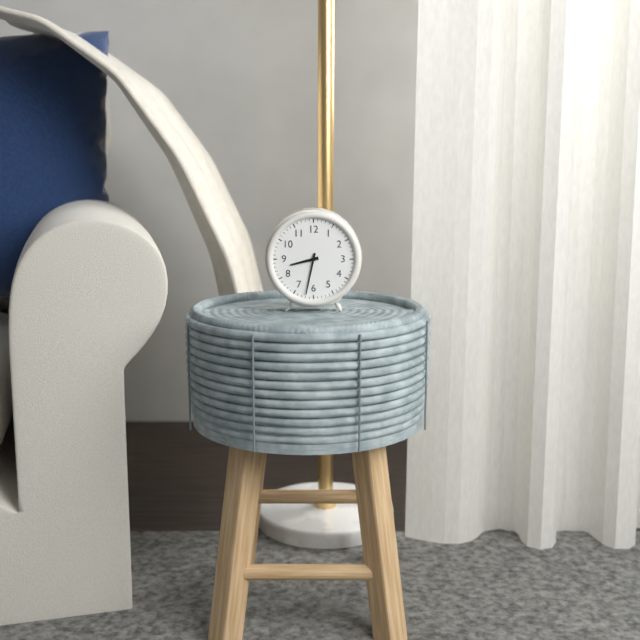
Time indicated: 8:32
